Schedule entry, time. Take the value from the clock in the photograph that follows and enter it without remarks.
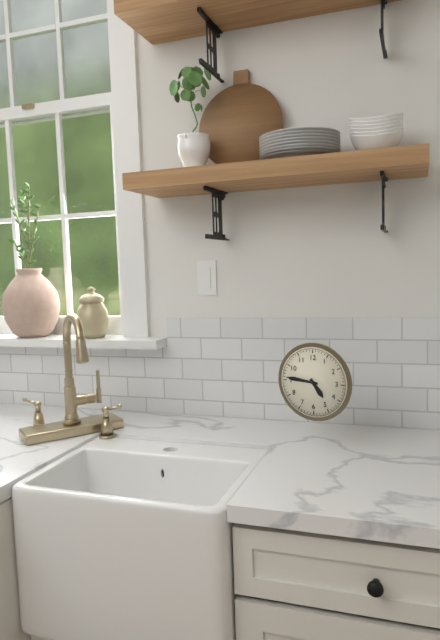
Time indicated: 4:46
